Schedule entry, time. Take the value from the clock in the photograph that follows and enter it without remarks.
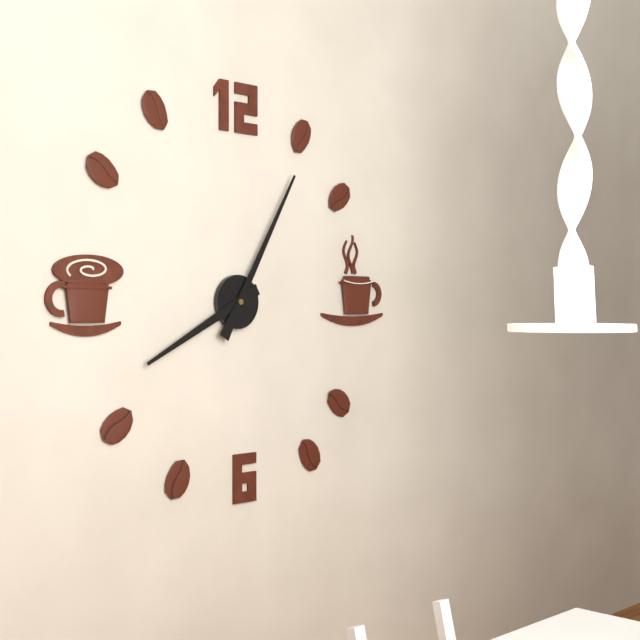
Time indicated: 8:05
